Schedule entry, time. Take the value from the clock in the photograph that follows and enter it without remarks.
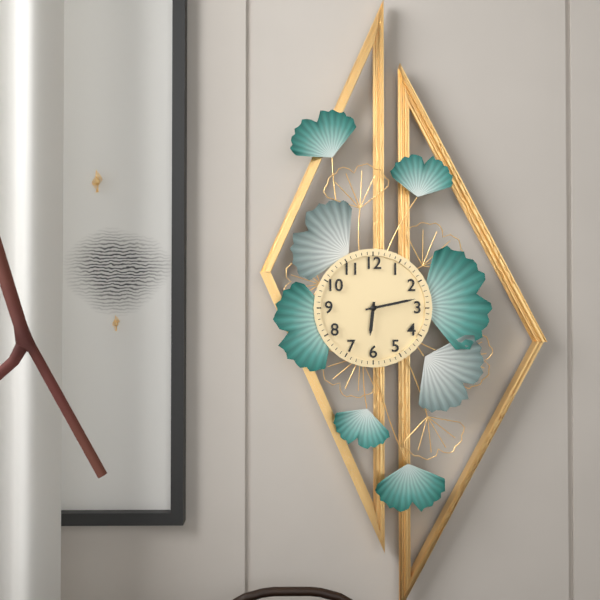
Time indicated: 6:13
